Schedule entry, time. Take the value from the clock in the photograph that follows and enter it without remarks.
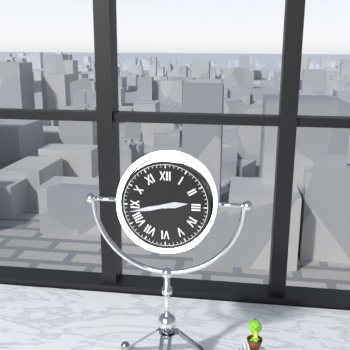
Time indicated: 2:43
